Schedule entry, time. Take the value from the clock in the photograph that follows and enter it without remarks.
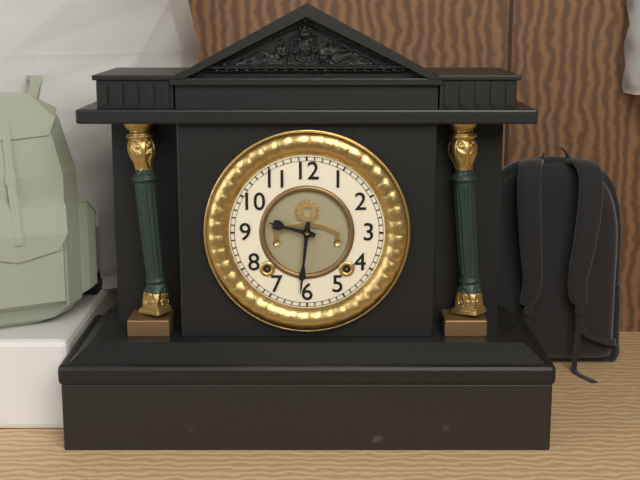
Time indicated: 9:31
